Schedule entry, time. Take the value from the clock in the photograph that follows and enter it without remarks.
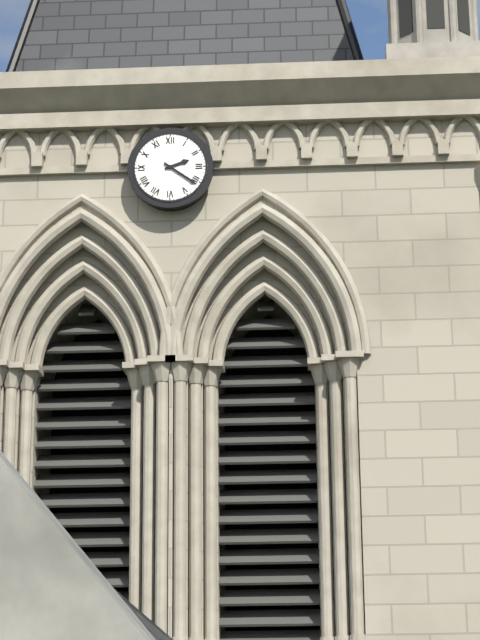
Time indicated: 2:21
